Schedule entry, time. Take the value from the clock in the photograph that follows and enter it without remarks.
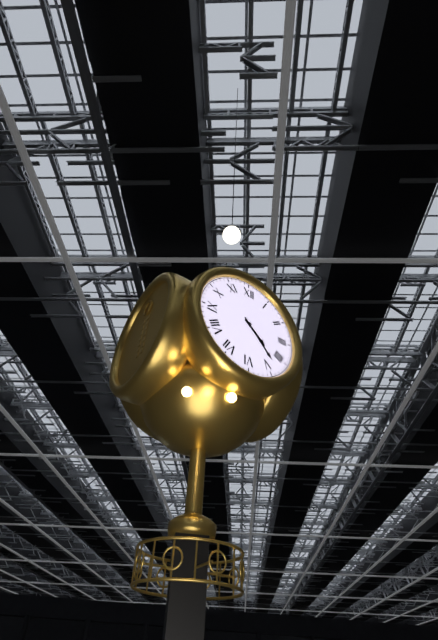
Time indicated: 4:23
